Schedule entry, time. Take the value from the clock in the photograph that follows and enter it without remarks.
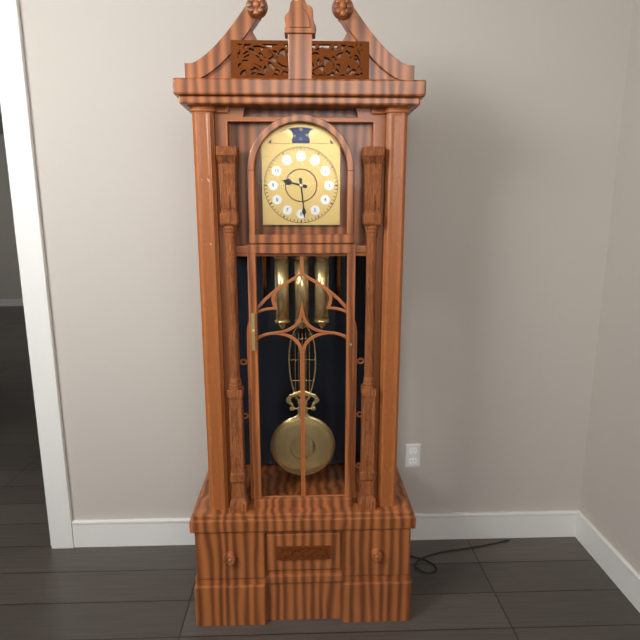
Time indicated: 9:29
